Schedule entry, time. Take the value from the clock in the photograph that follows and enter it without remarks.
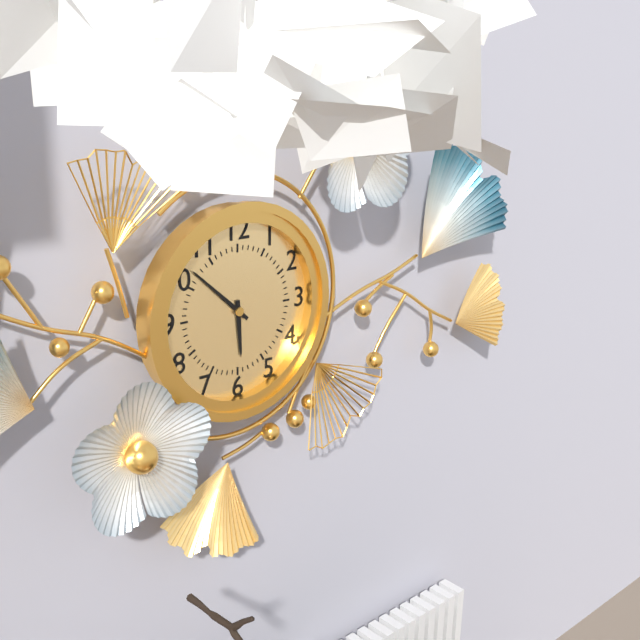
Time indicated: 5:52
